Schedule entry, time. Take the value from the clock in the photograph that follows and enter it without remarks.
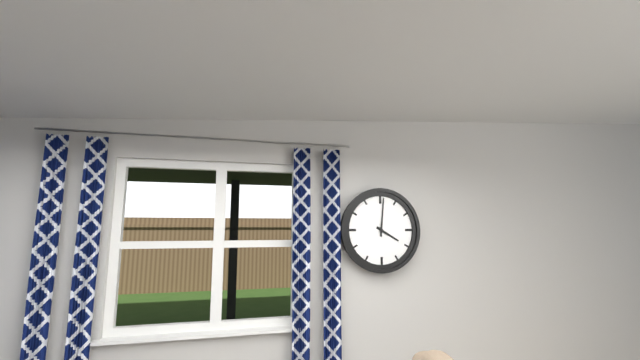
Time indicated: 4:01
